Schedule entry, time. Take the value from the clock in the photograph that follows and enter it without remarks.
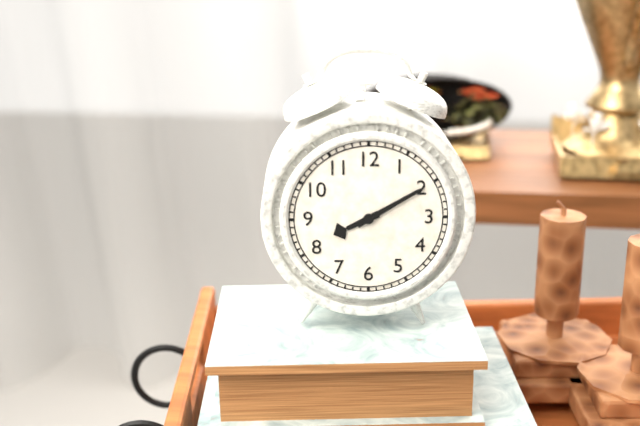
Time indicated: 8:10
